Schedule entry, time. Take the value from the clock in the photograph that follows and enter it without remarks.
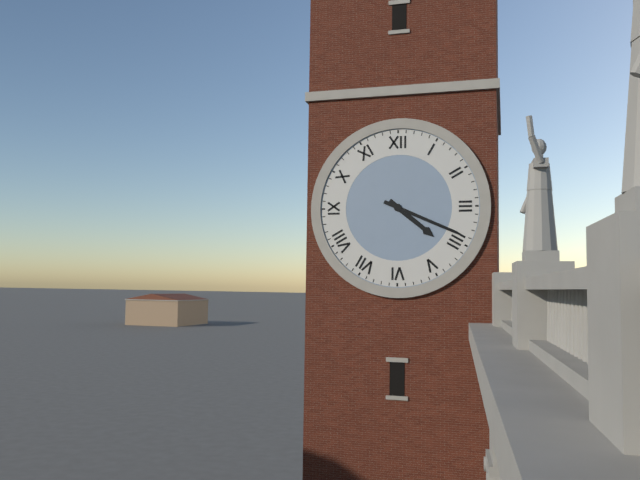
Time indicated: 4:19
